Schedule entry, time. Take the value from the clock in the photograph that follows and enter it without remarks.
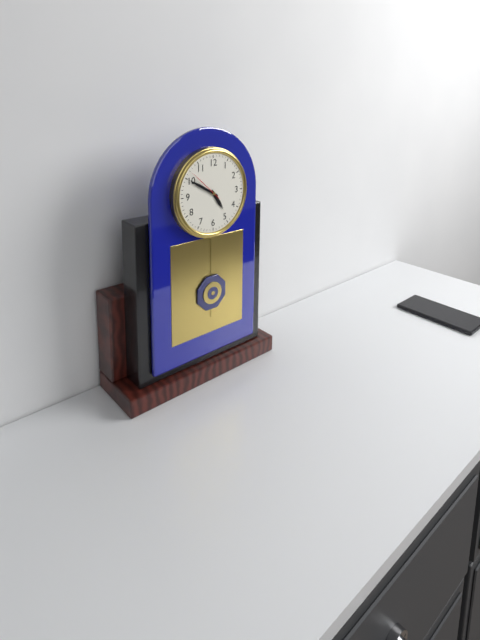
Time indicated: 4:50
